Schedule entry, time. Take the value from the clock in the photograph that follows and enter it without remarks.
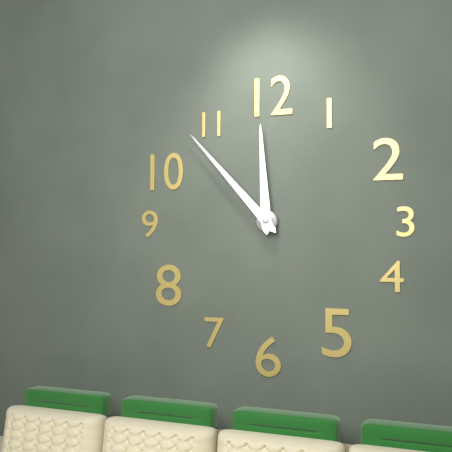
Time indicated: 11:53
